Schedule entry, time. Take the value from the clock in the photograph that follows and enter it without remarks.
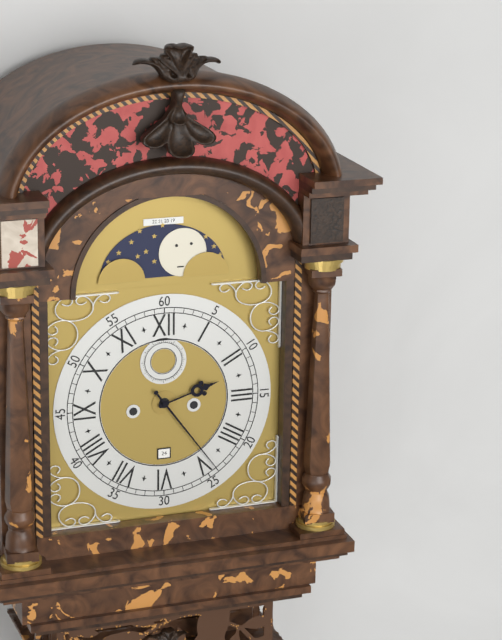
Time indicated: 2:24
